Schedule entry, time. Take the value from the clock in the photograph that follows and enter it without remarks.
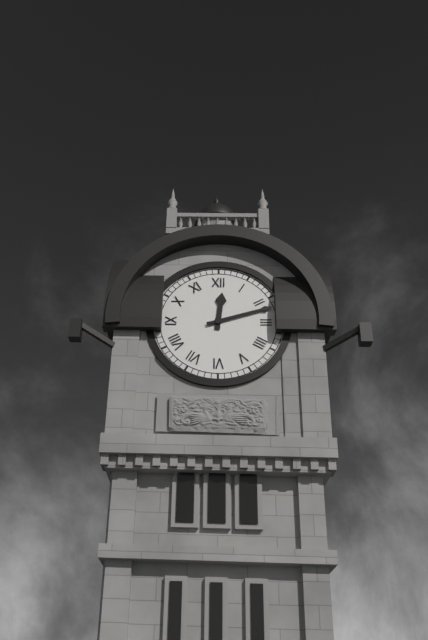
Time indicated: 12:12
